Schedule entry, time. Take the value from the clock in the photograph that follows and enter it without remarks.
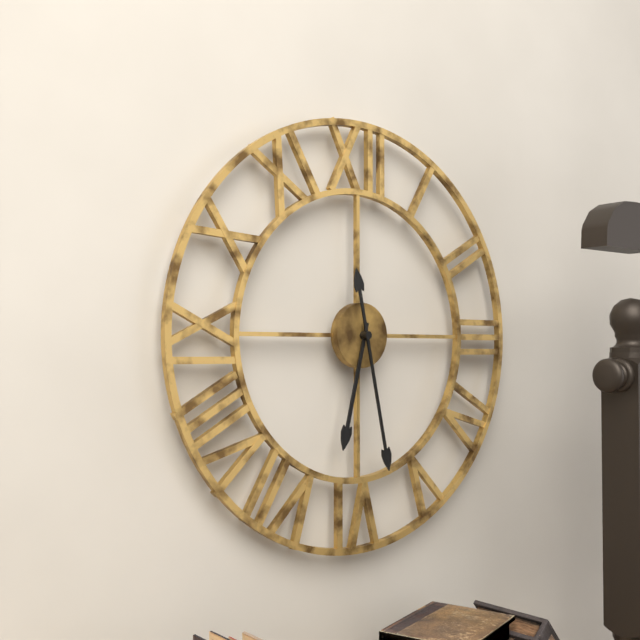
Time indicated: 6:28
